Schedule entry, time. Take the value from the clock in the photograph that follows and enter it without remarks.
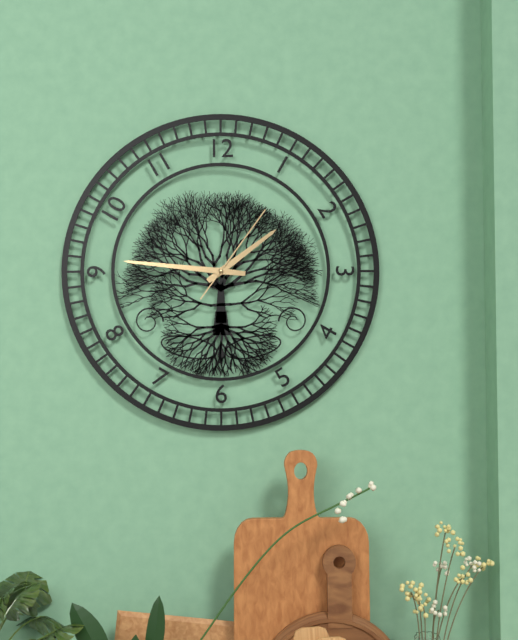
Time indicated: 1:46:06
